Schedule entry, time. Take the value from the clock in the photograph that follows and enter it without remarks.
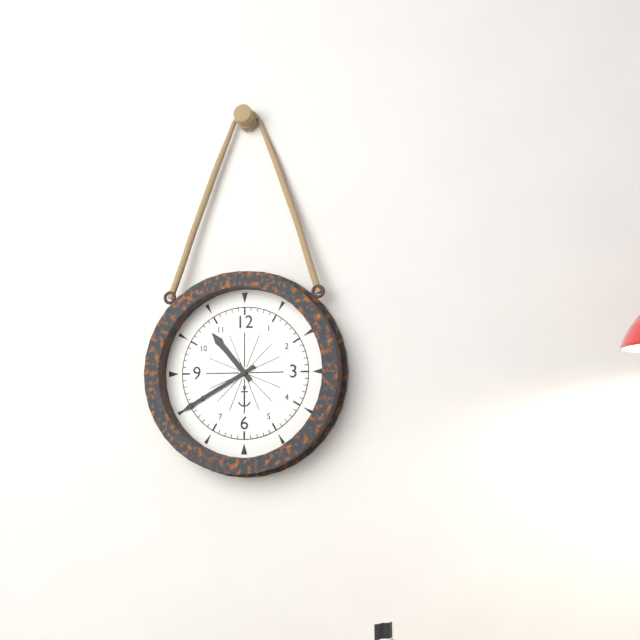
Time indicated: 10:40
